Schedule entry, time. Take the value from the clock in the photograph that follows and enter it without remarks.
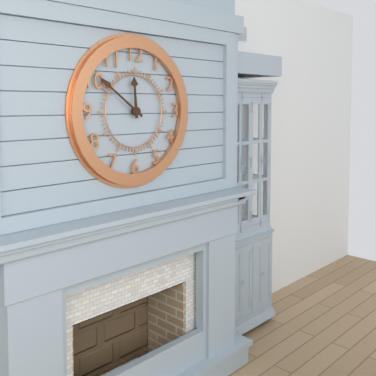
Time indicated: 11:51
